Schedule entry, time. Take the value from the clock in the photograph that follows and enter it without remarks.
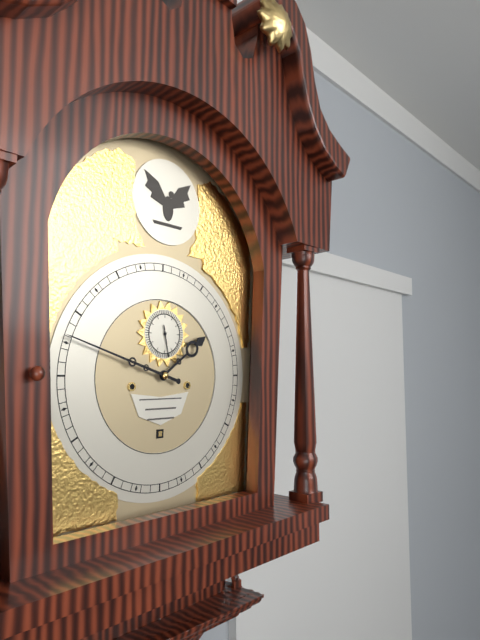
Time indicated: 1:48
